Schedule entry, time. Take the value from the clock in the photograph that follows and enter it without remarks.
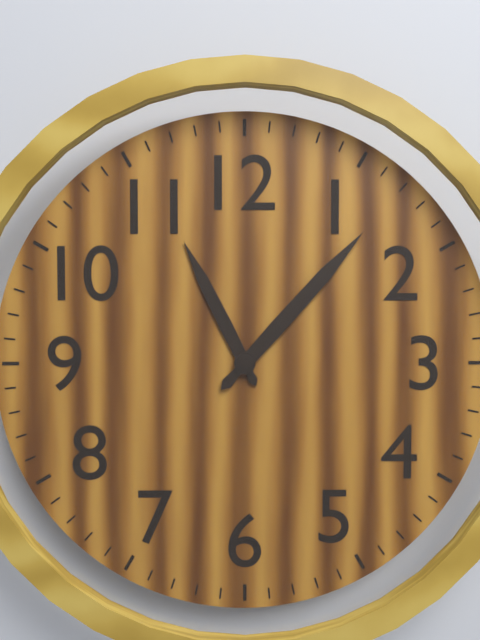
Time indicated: 11:07
